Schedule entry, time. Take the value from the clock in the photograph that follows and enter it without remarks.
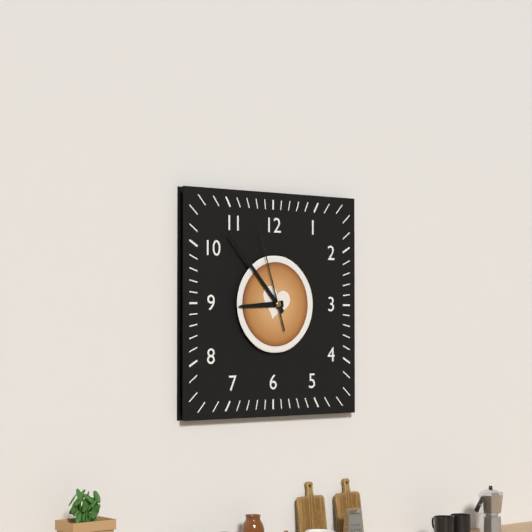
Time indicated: 8:53:57
